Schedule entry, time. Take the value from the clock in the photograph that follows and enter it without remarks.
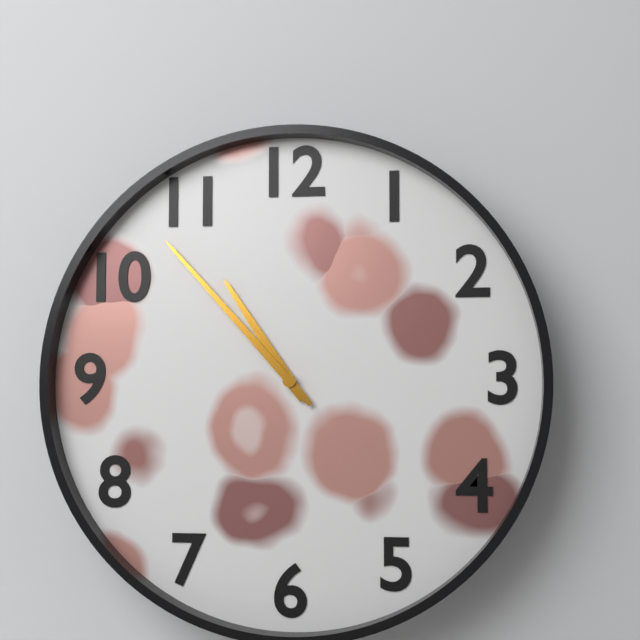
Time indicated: 10:53
